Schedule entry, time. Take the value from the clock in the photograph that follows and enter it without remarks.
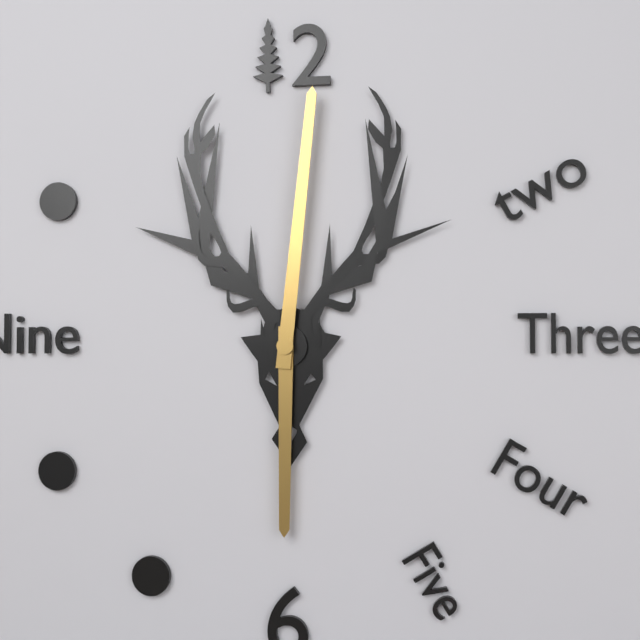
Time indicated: 6:01
